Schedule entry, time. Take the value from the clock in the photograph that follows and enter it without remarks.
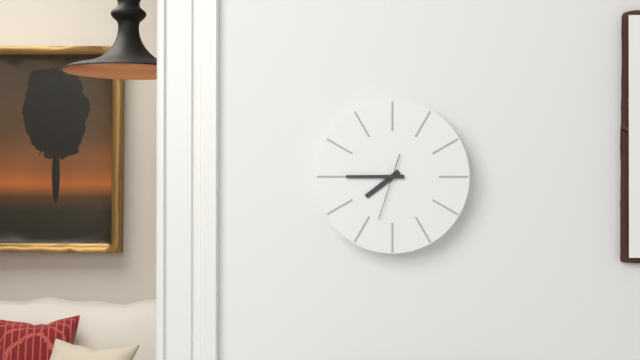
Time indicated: 7:45:33
